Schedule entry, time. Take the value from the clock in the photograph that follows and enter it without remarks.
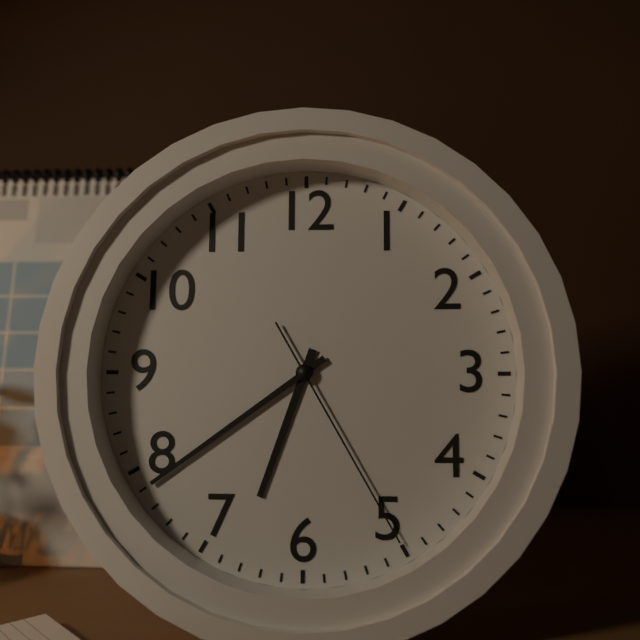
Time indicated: 6:39:25
